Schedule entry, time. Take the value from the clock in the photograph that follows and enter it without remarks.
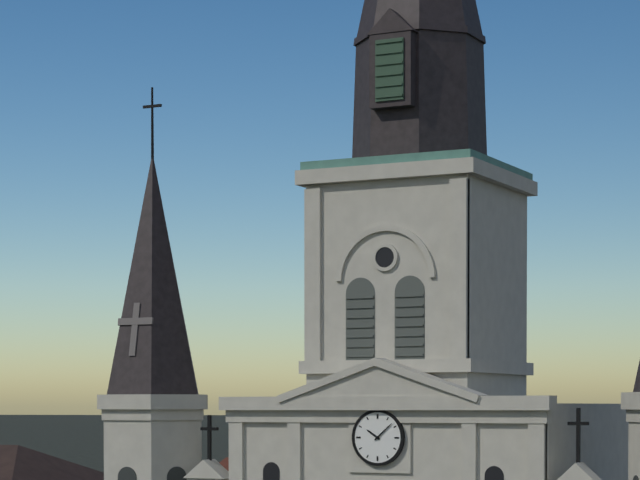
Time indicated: 10:08
